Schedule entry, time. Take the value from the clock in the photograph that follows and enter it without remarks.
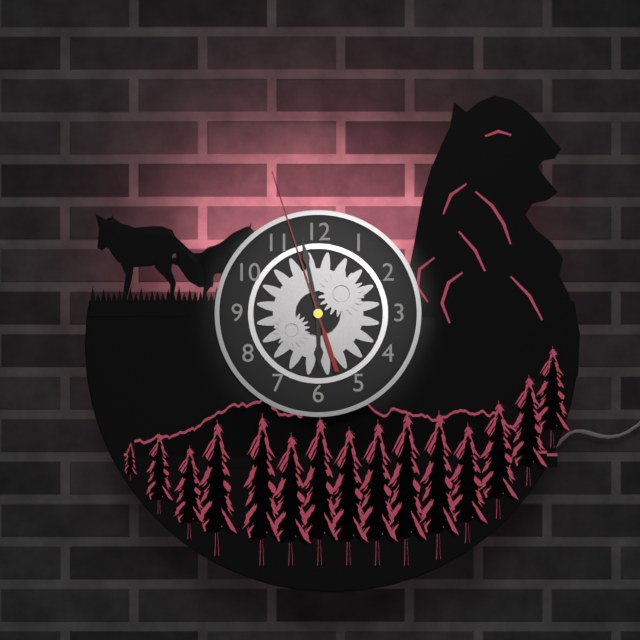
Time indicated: 5:58:57
